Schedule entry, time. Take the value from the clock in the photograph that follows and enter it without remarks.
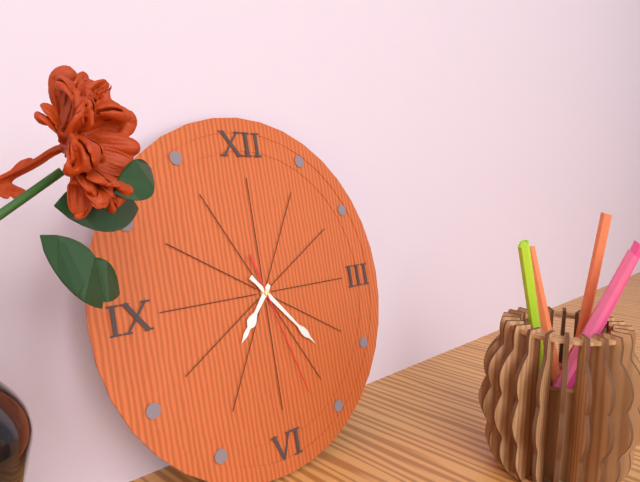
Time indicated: 7:23:27
